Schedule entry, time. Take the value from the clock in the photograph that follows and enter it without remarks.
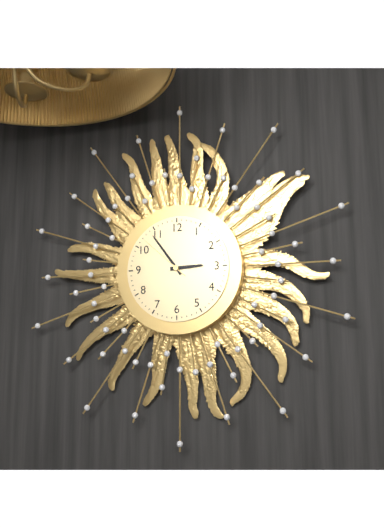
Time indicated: 2:54:52
